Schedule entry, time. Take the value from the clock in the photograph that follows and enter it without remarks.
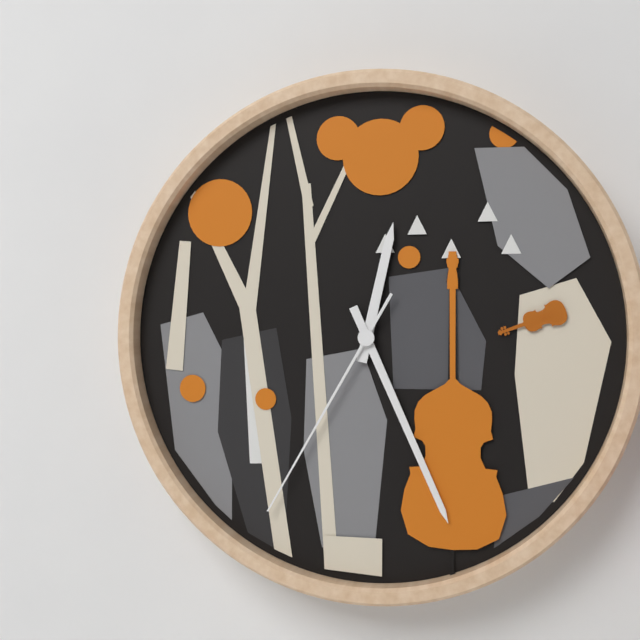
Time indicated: 12:26:35
